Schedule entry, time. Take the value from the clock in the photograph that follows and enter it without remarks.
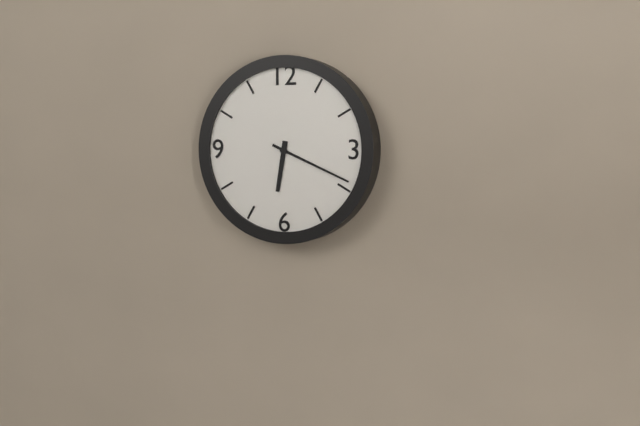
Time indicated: 6:19
